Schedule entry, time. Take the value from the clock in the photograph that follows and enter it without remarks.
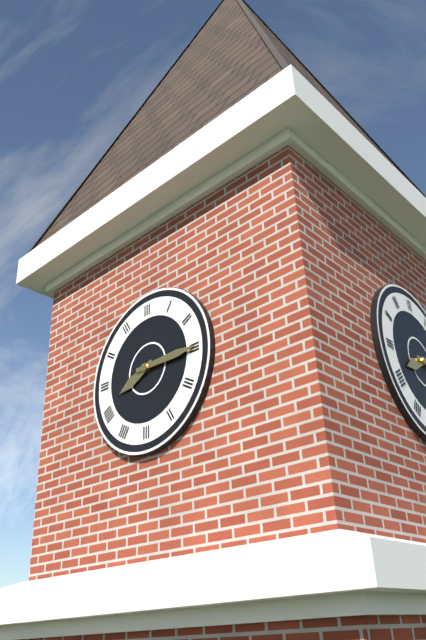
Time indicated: 8:15
